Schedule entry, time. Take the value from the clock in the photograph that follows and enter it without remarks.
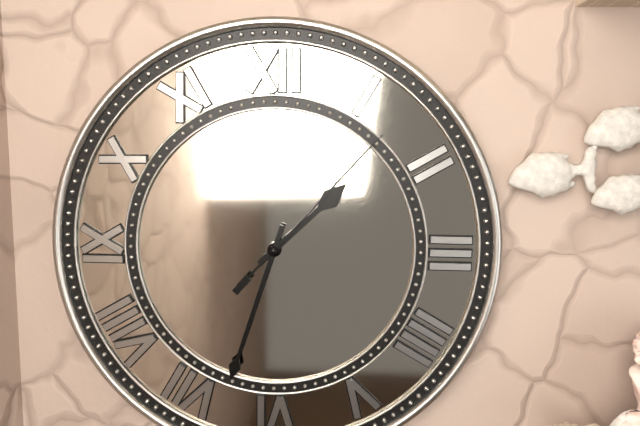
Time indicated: 1:33:07
